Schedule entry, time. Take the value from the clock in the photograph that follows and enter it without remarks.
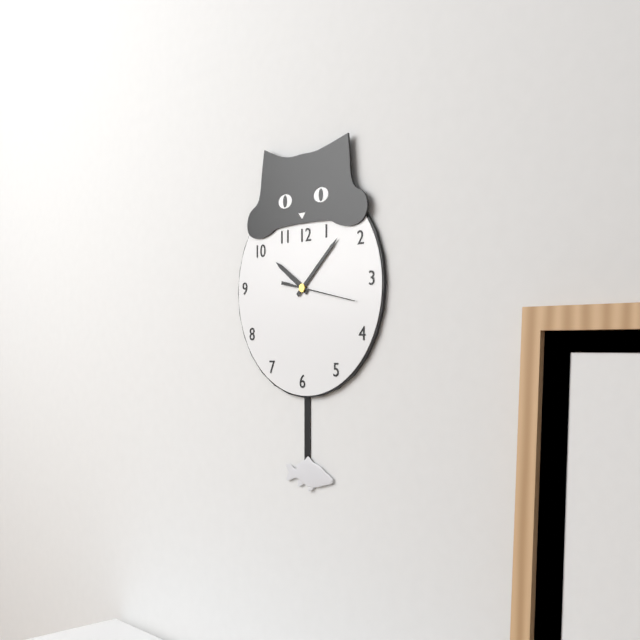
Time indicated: 10:08:17
